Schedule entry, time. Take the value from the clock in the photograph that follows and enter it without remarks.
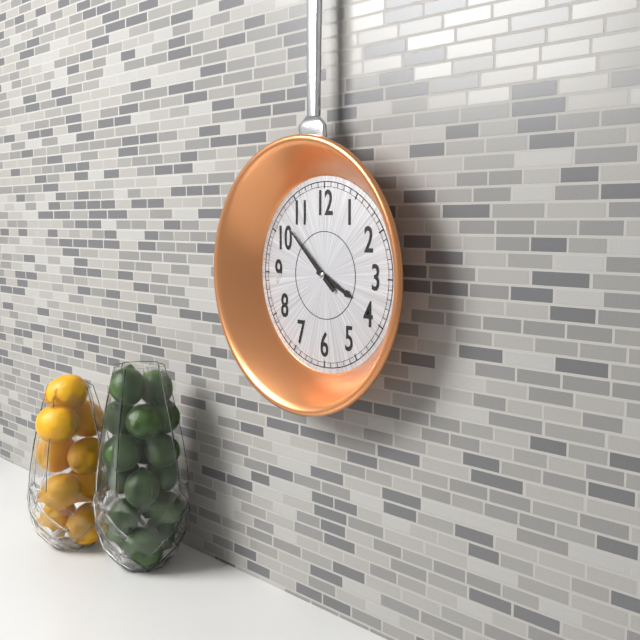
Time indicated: 3:52
